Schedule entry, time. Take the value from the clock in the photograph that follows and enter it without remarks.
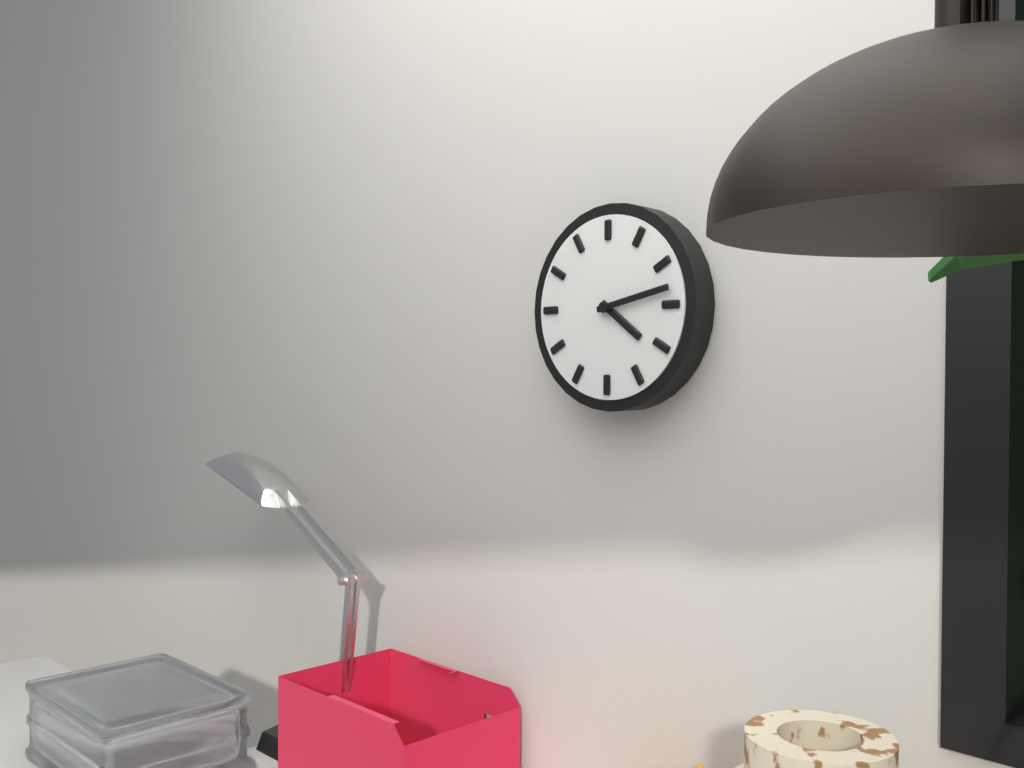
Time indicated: 4:13
